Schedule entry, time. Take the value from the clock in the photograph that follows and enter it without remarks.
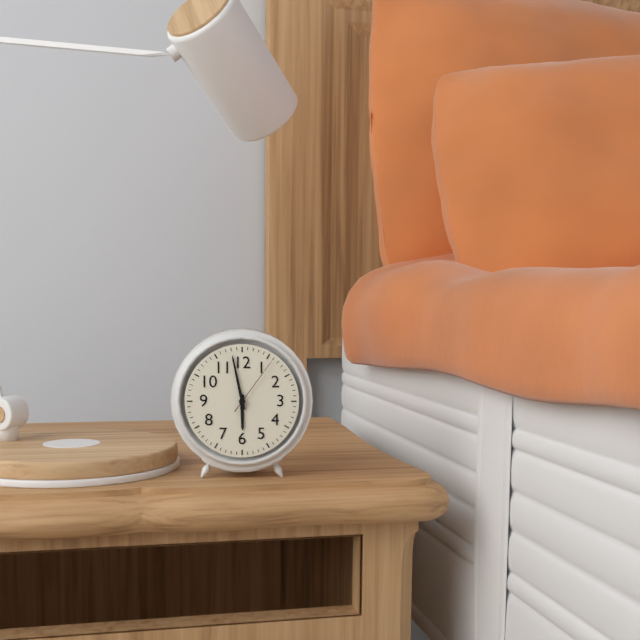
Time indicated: 5:58:06
